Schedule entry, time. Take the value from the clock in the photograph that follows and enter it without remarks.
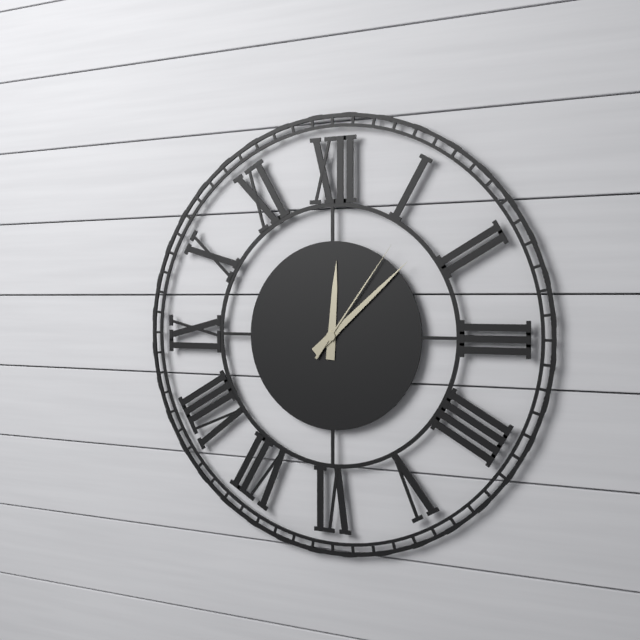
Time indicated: 12:08:06
